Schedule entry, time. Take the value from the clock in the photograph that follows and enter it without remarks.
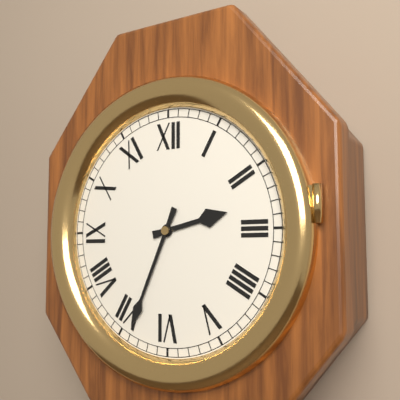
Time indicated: 2:34
